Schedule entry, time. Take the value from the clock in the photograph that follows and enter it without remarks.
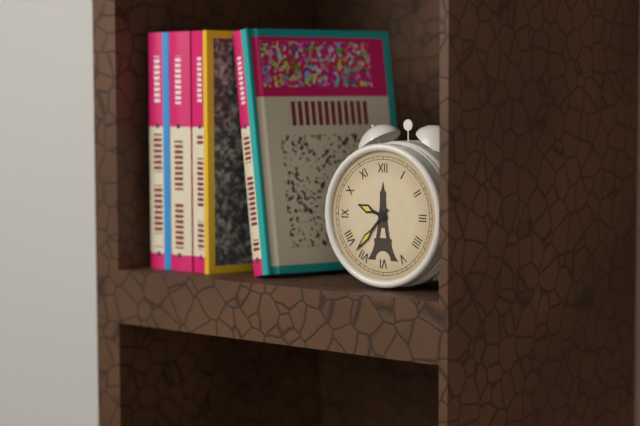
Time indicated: 9:37
